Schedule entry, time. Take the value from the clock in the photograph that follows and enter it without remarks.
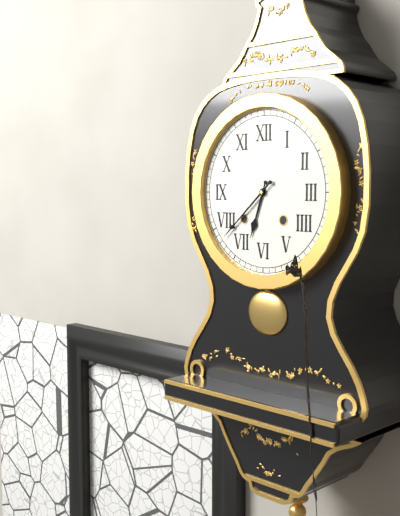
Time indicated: 6:38
